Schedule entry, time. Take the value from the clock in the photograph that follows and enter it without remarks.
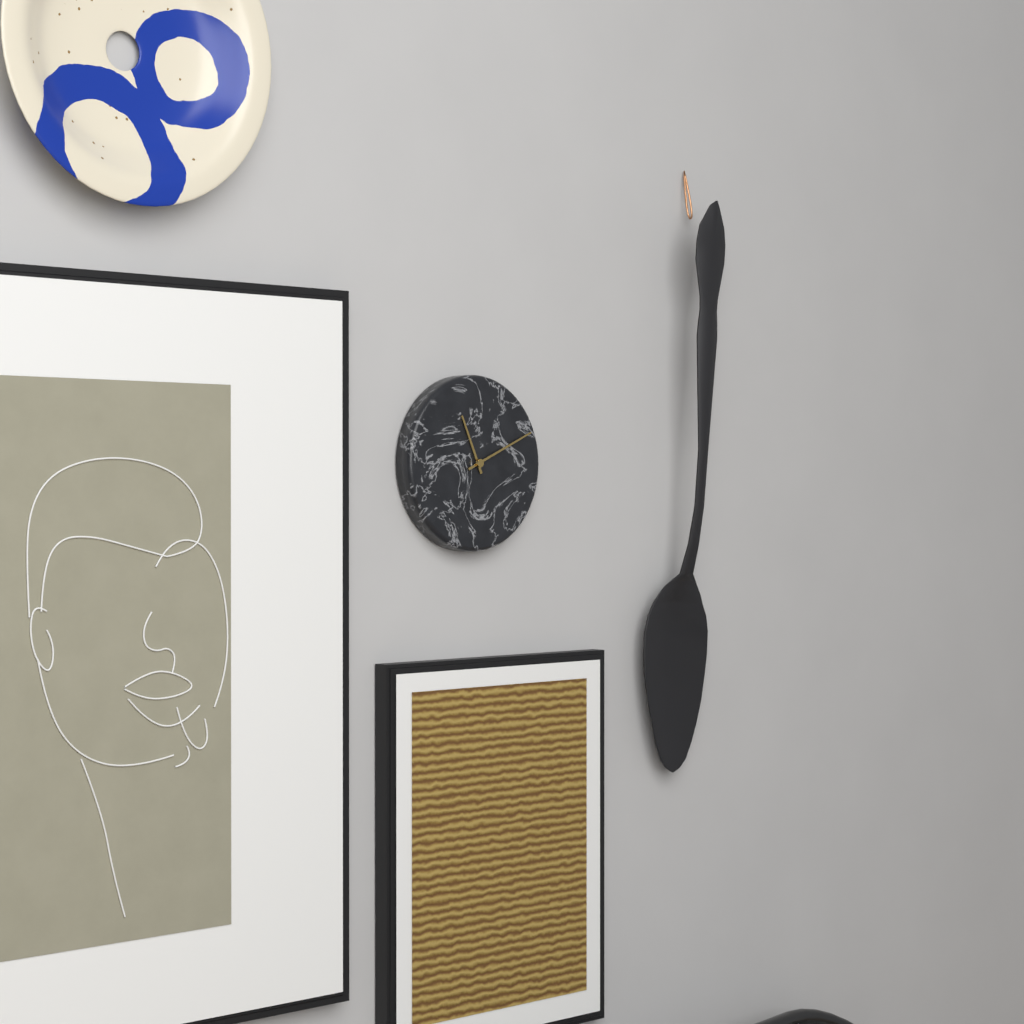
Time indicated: 11:11
